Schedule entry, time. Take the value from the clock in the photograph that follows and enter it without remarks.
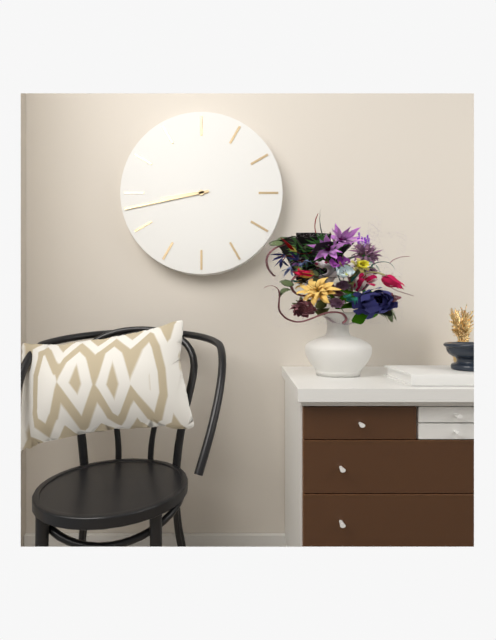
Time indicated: 8:43
